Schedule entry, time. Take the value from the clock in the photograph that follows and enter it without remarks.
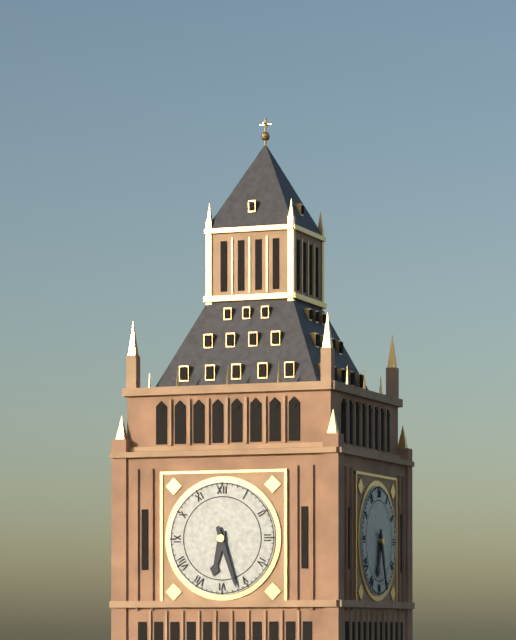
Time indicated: 6:27
